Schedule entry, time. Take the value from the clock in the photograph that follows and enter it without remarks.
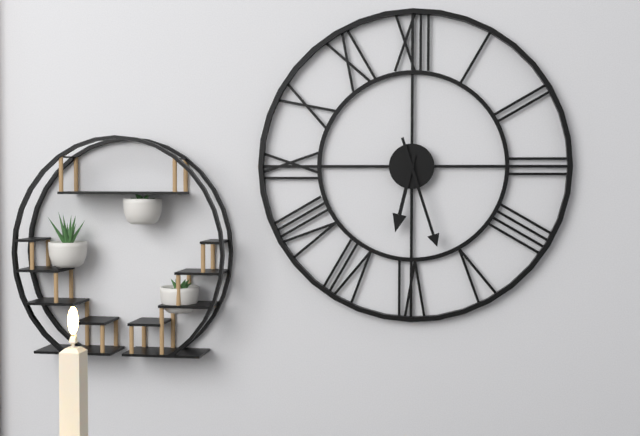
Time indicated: 6:27
